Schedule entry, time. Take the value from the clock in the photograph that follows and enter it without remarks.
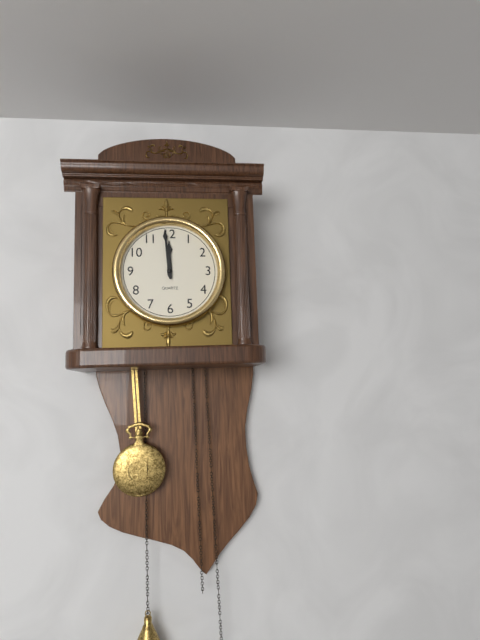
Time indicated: 11:59
